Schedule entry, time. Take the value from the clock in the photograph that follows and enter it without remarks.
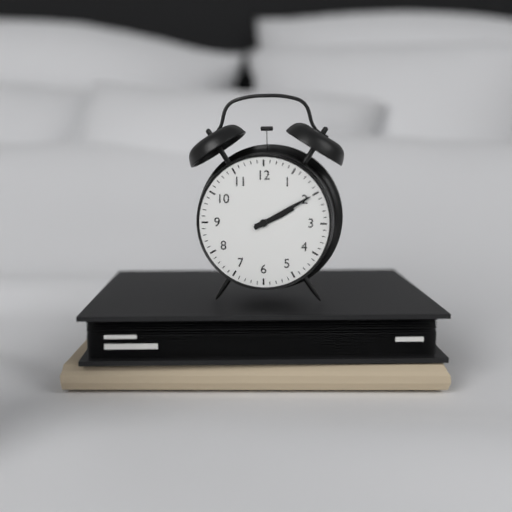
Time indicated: 2:10
